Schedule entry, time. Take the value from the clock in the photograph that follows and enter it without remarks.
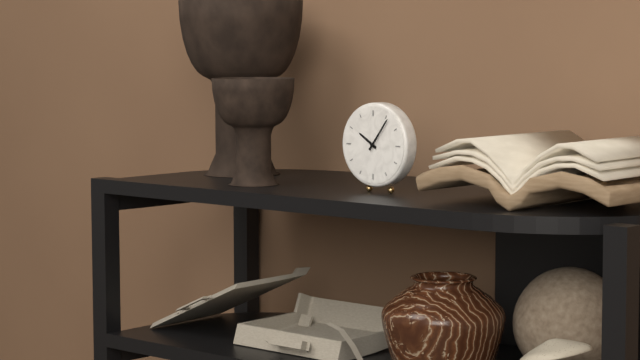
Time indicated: 10:06
